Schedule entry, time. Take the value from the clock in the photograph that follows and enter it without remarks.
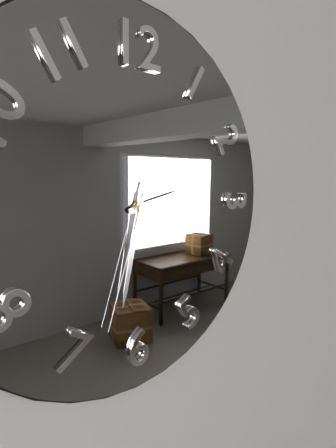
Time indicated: 2:32:33
